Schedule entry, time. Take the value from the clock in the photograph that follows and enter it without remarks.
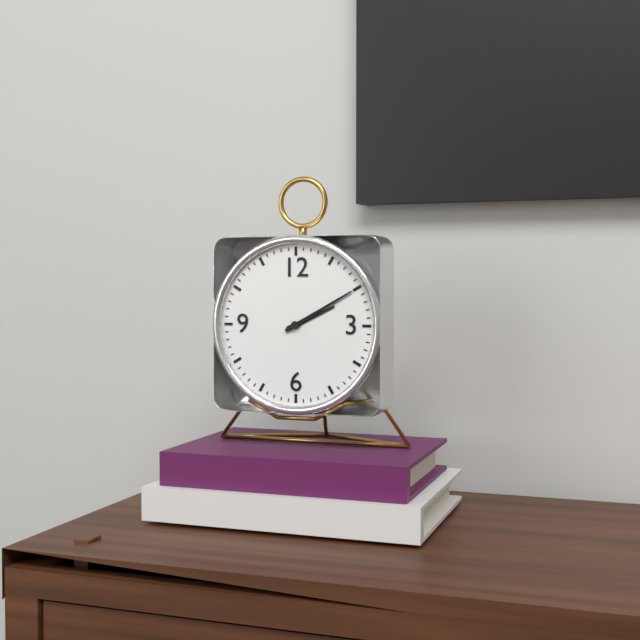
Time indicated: 2:10
